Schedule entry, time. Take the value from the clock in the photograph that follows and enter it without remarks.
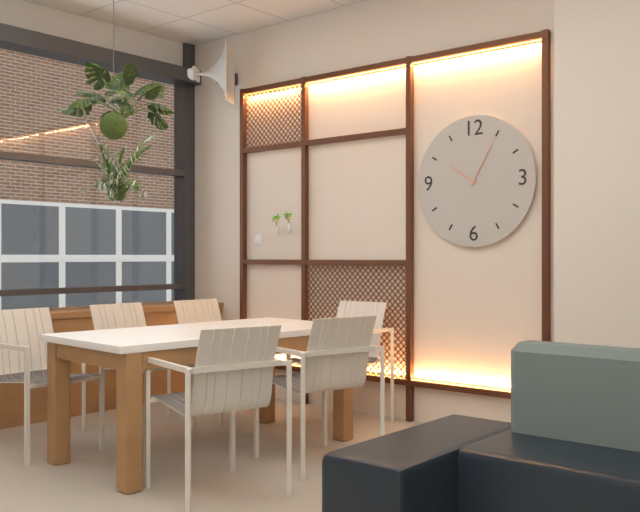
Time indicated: 10:05
